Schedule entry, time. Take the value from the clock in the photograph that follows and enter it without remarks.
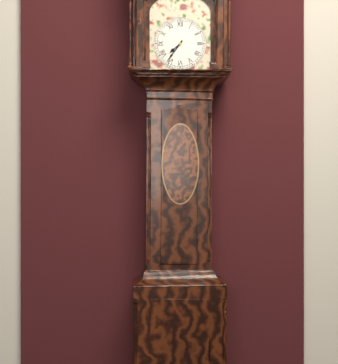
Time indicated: 7:36
